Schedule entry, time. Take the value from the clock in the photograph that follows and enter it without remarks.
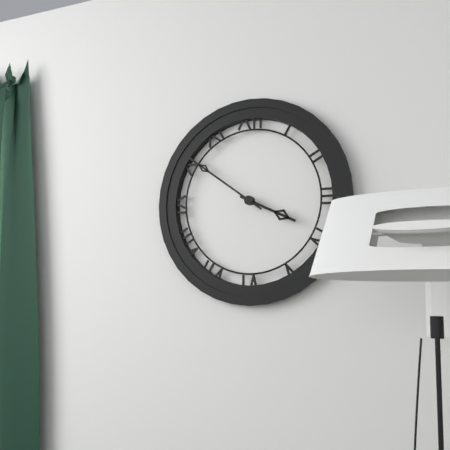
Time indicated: 3:51
